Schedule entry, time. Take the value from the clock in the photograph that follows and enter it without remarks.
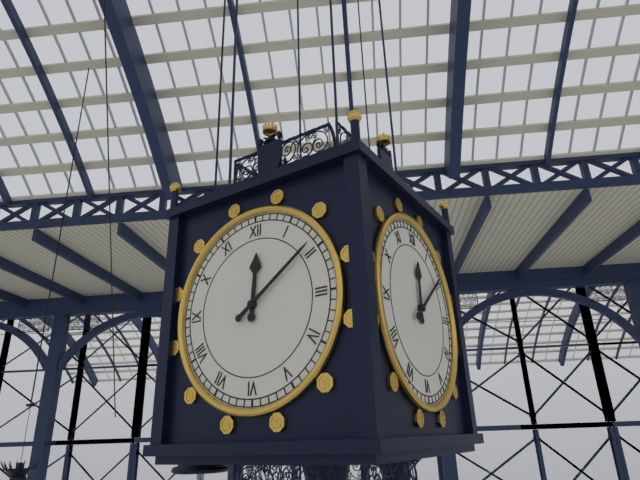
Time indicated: 12:09
